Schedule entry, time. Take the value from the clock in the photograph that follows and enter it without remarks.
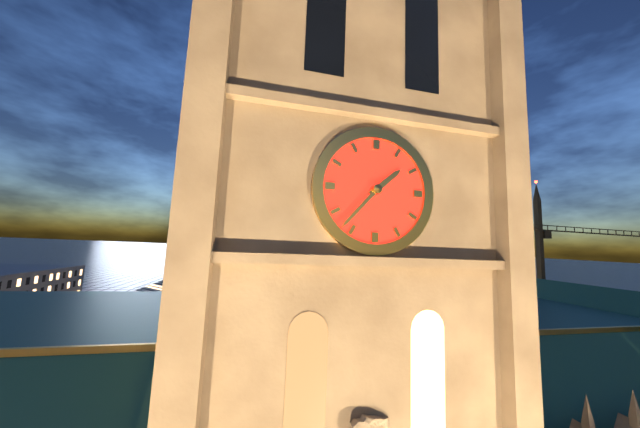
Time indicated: 1:37
